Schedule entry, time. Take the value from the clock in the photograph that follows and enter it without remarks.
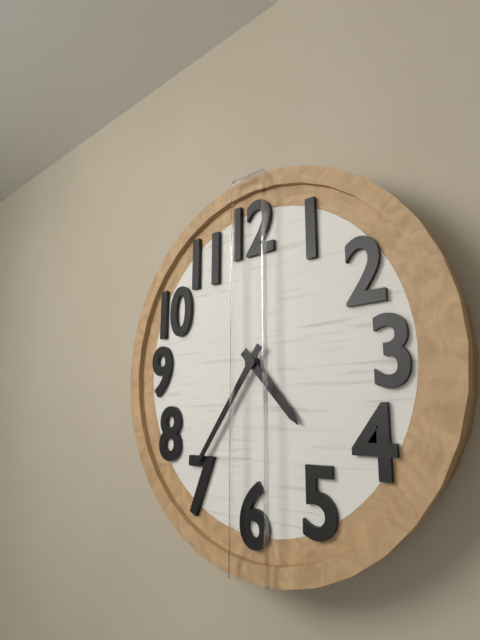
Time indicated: 4:36
